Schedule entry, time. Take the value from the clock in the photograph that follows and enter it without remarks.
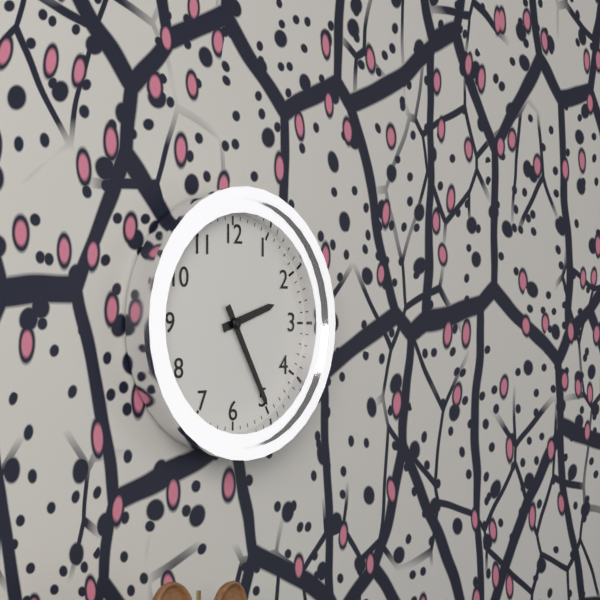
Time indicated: 2:25
